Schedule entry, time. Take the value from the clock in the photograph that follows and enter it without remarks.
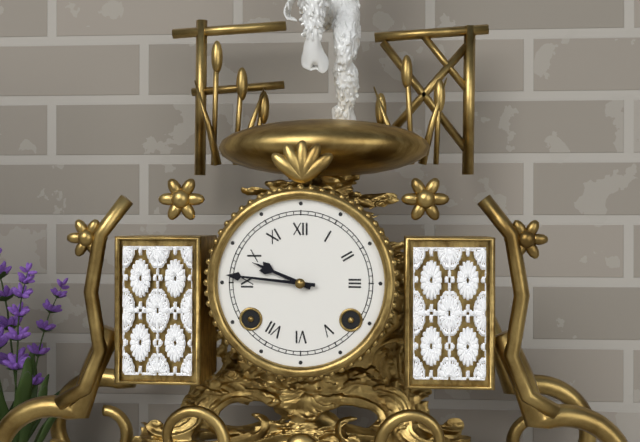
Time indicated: 9:46
